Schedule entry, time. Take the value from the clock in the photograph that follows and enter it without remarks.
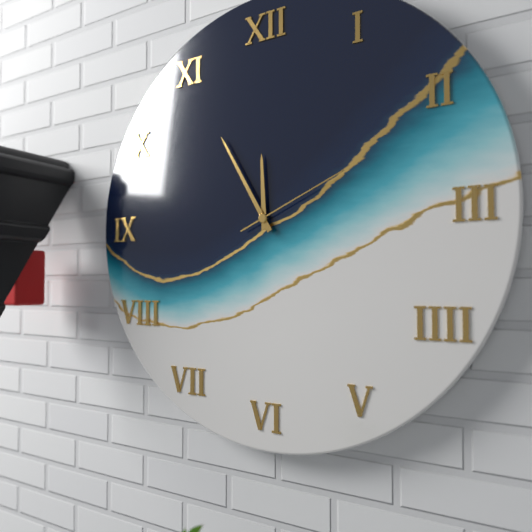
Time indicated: 11:55:11
